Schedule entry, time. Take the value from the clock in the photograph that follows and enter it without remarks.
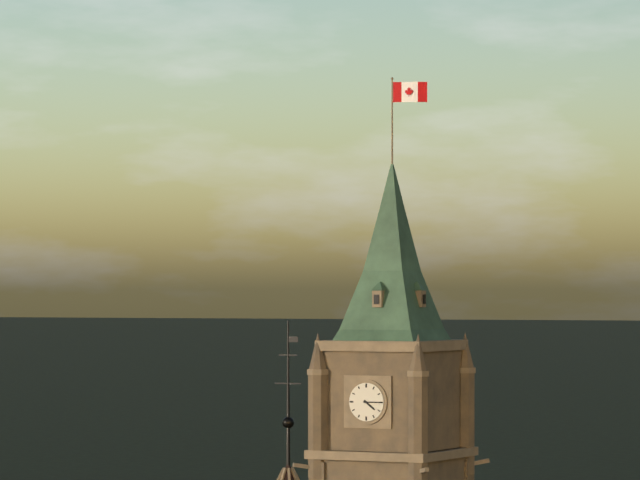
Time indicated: 4:15
